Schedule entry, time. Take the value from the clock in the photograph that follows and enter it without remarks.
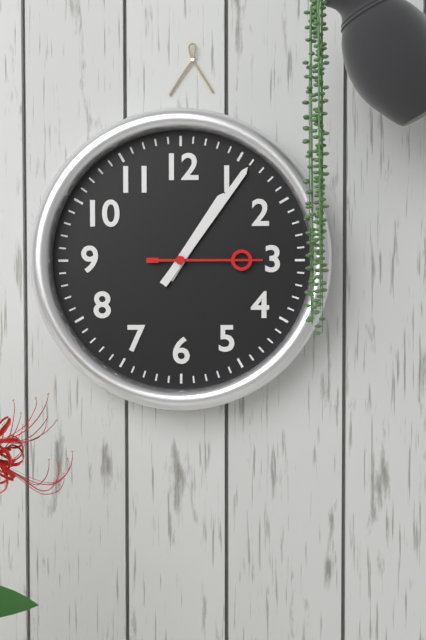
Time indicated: 1:06:15
